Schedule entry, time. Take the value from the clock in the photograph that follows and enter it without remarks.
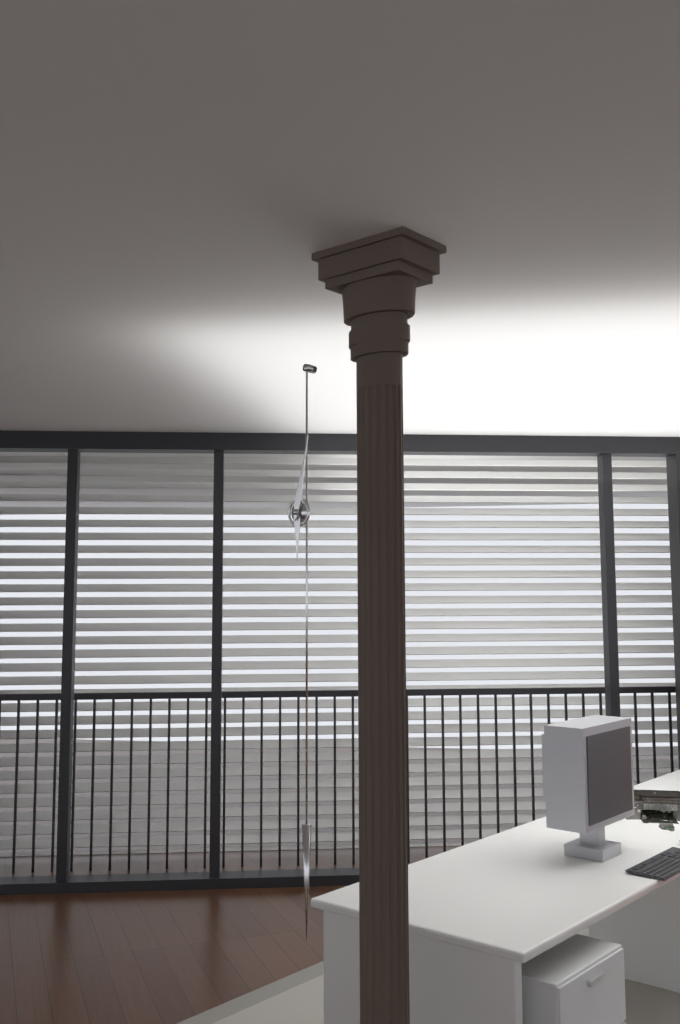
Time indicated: 6:02
